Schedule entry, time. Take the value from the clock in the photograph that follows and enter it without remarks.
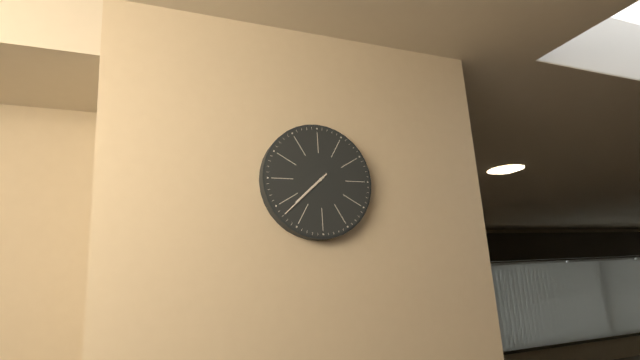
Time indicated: 7:38
